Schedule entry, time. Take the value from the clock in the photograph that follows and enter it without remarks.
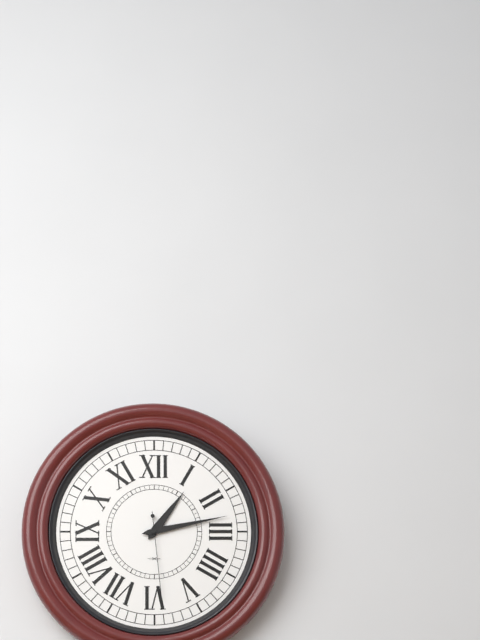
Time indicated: 1:13:29
